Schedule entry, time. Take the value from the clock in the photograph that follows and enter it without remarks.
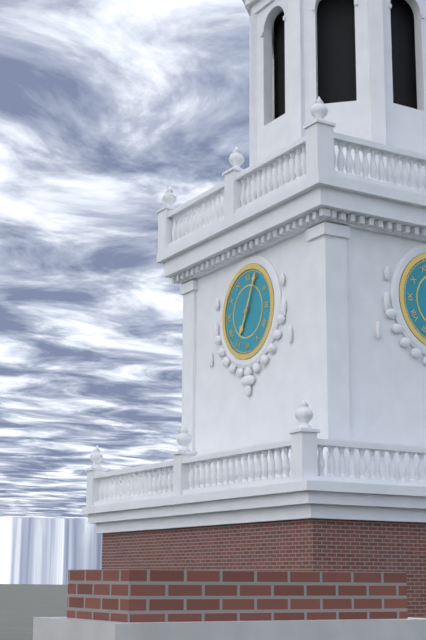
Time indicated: 7:04
